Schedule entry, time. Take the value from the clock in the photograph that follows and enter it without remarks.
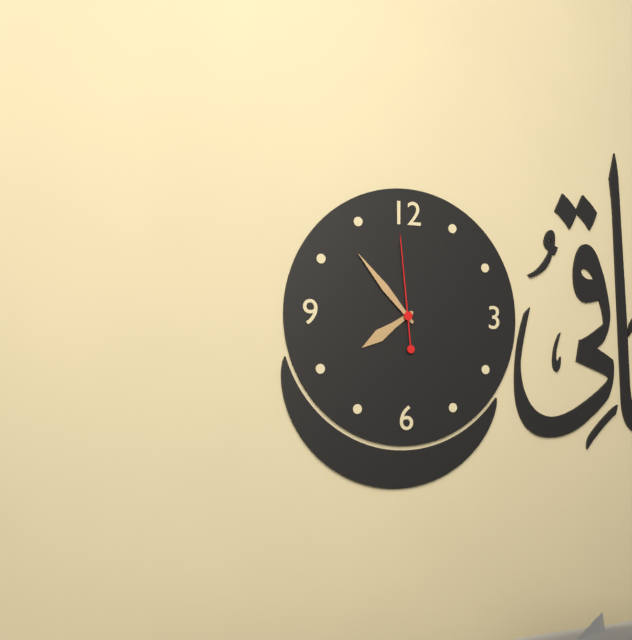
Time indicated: 7:53:59
